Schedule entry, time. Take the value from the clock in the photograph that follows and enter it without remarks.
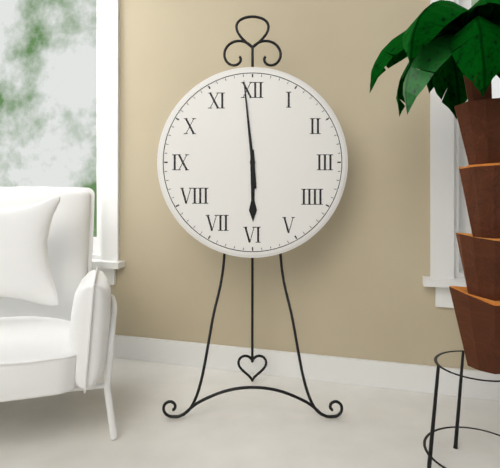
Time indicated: 5:59
